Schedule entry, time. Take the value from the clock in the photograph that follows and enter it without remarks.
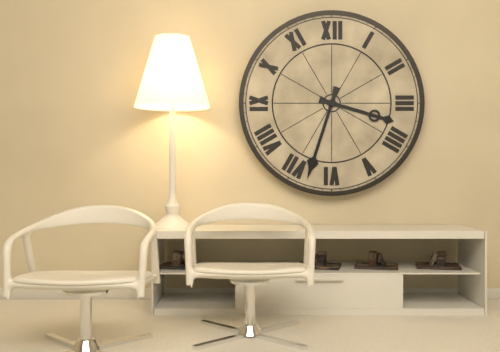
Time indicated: 3:33
